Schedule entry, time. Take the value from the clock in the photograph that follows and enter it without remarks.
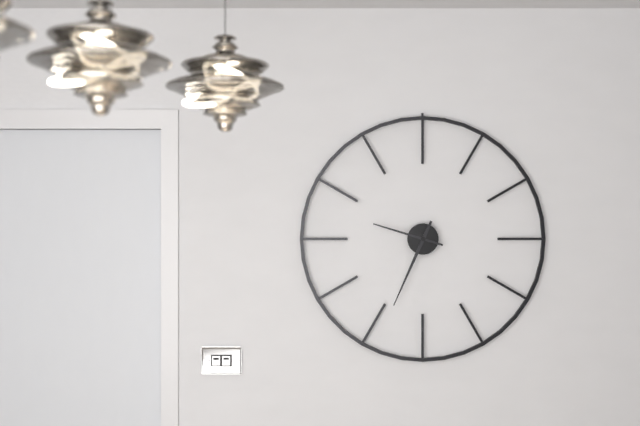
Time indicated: 9:34
